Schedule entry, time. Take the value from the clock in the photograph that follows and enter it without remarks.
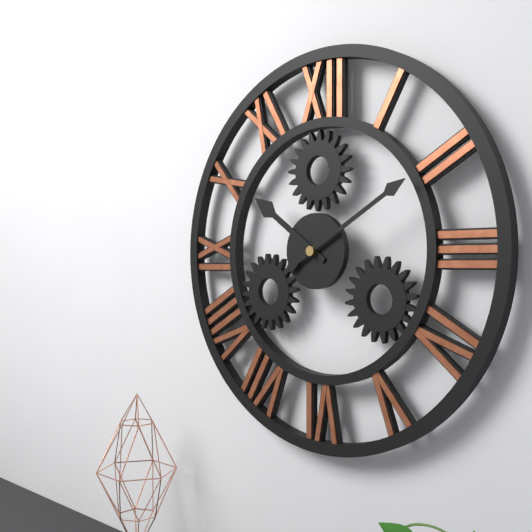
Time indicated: 10:10
